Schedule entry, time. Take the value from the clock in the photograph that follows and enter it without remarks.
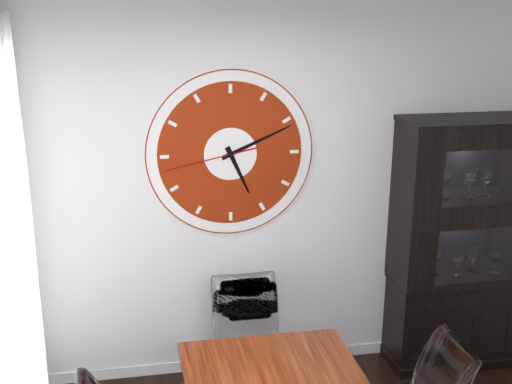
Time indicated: 5:11:43
